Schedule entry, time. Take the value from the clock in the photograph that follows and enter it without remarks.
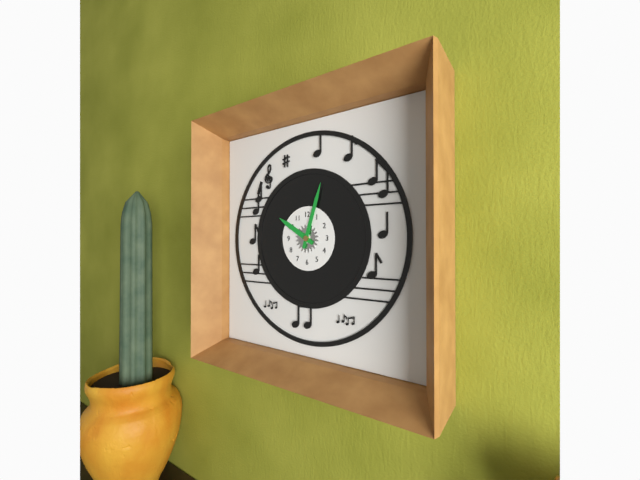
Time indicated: 10:03
